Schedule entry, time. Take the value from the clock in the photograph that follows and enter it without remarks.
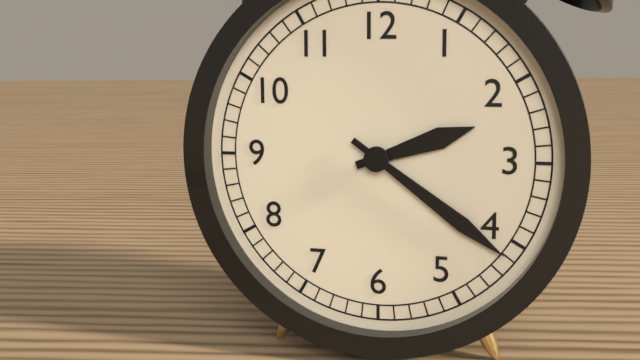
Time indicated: 2:21
